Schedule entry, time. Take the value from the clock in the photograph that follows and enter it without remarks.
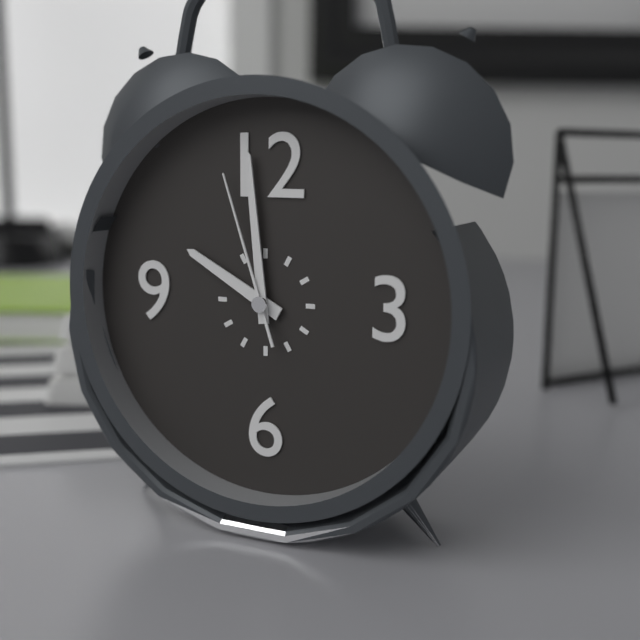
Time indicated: 9:59:57
